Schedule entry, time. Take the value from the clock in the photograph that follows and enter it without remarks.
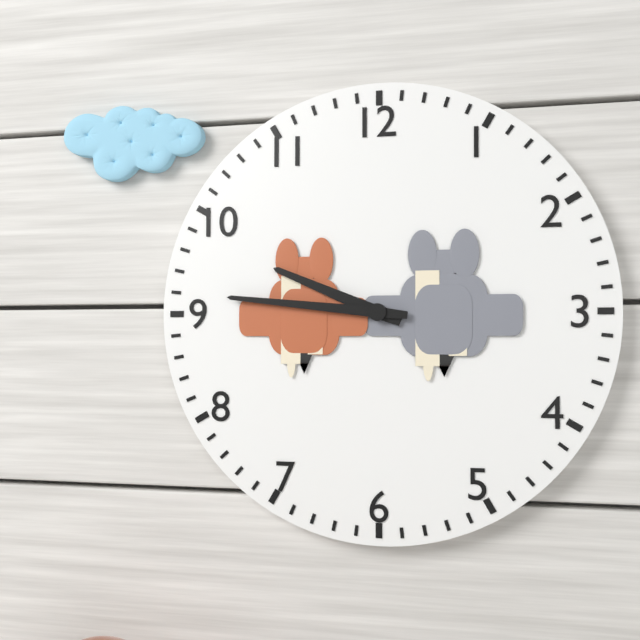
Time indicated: 9:46
